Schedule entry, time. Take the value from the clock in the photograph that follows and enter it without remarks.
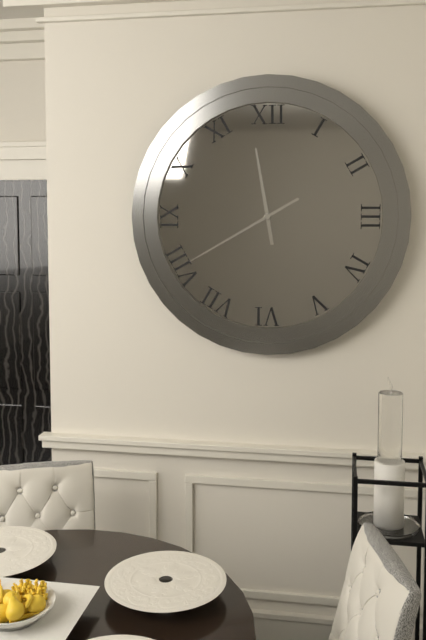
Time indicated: 11:40
